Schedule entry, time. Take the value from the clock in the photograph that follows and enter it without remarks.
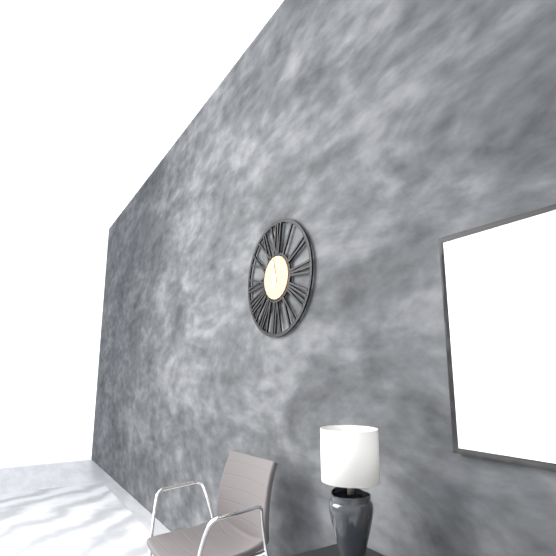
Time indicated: 6:58
